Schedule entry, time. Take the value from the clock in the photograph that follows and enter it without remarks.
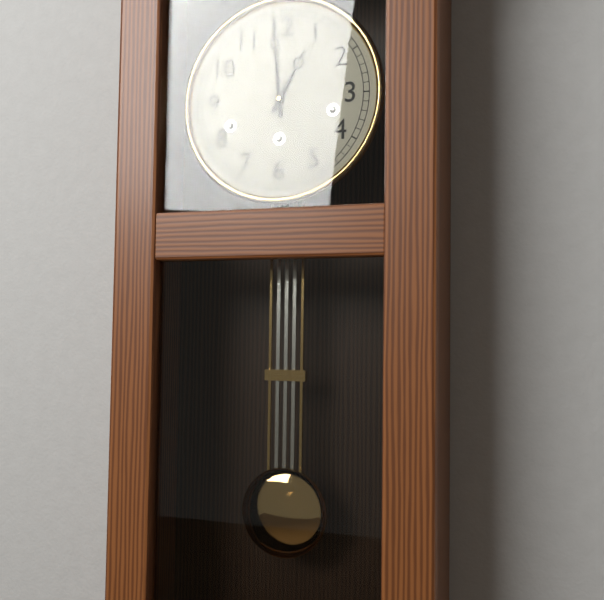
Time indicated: 12:59
